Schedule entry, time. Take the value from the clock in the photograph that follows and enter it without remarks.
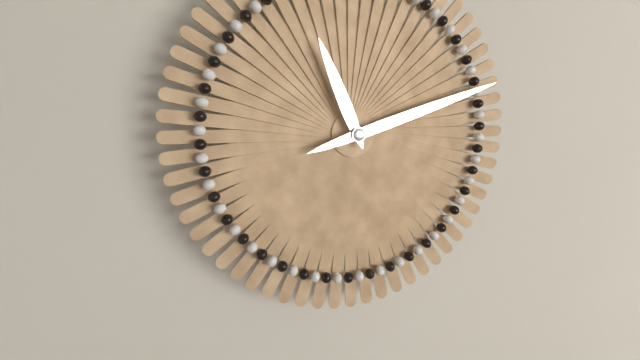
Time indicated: 11:12
